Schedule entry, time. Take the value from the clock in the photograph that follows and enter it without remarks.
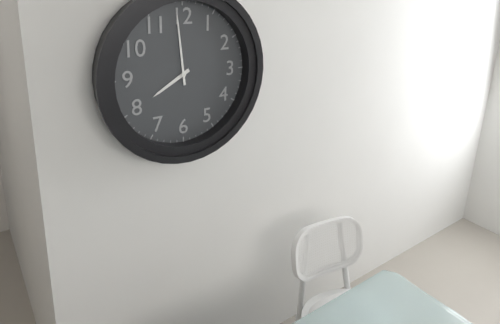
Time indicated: 7:59
